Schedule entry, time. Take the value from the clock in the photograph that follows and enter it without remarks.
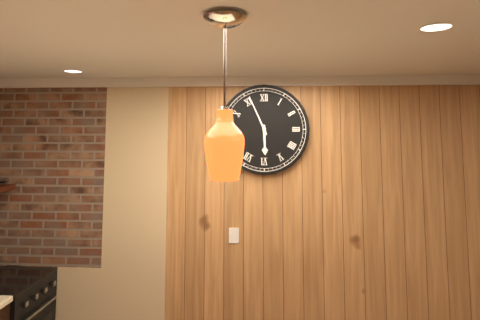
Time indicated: 5:56
